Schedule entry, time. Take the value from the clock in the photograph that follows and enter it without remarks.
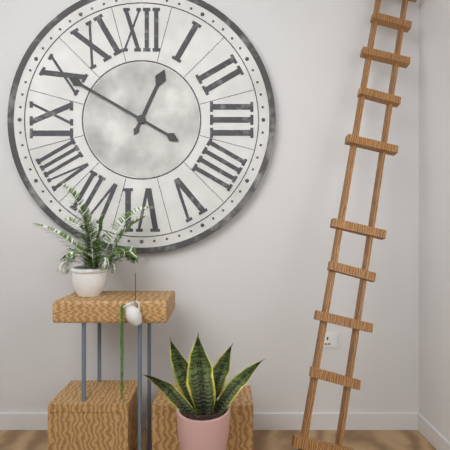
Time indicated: 12:50
